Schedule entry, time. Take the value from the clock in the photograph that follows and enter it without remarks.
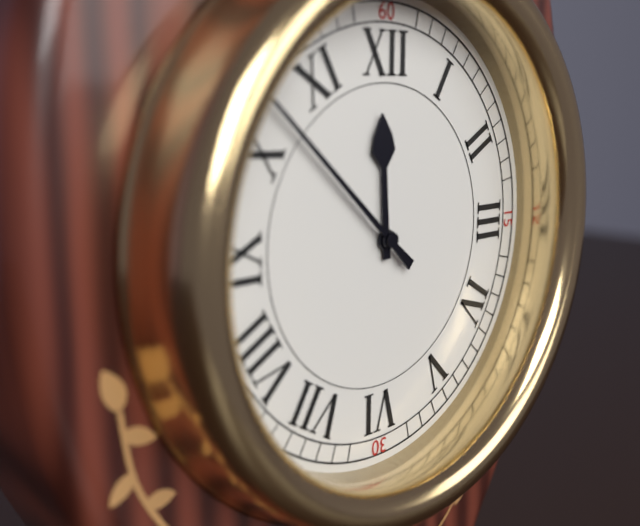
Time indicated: 11:52
